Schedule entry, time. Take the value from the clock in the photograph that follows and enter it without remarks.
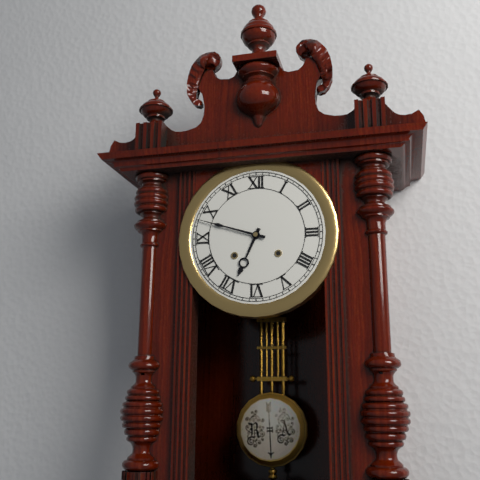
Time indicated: 6:48
